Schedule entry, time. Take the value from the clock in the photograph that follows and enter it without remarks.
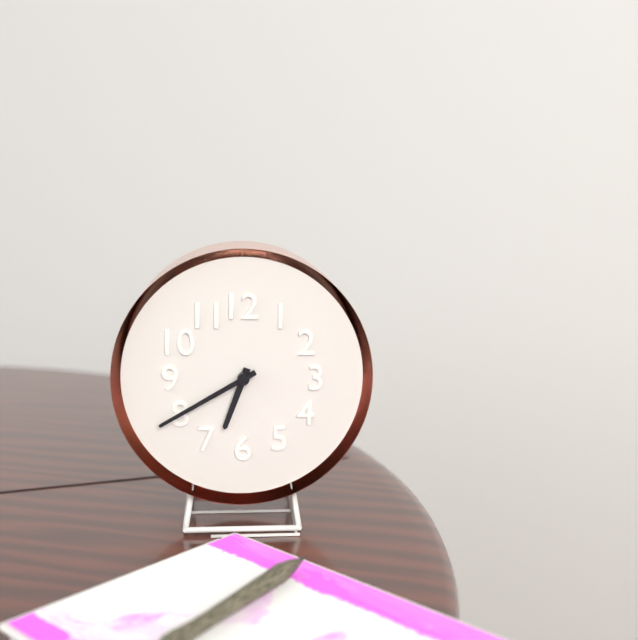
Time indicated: 6:40
